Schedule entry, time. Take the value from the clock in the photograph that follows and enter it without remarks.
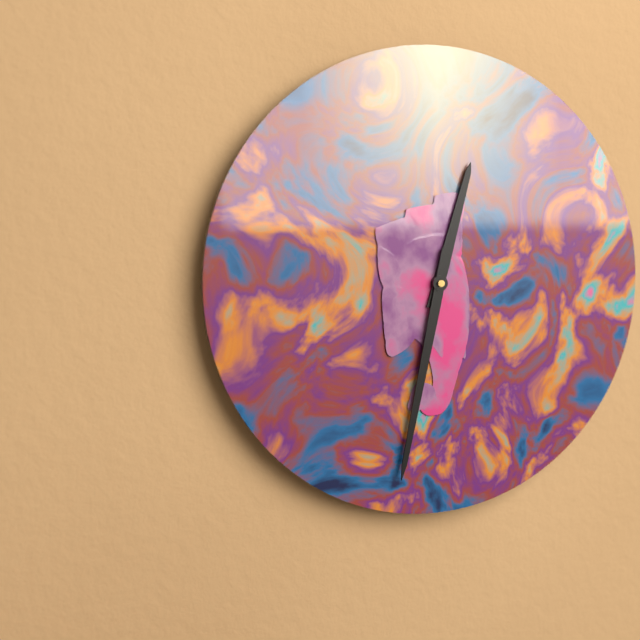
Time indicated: 12:32
